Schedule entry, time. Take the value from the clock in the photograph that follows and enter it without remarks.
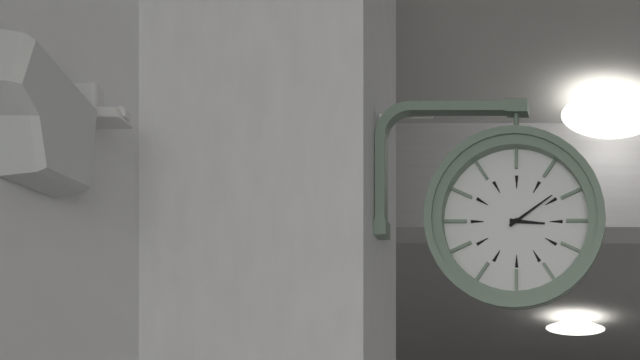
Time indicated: 3:09
